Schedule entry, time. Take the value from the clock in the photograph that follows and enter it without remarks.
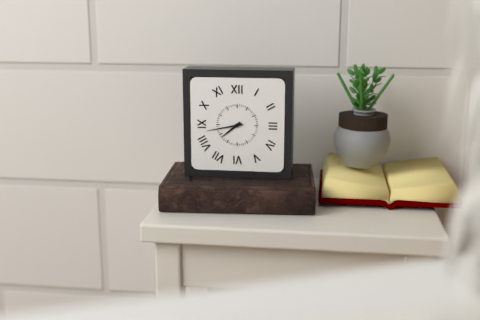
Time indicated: 7:43
